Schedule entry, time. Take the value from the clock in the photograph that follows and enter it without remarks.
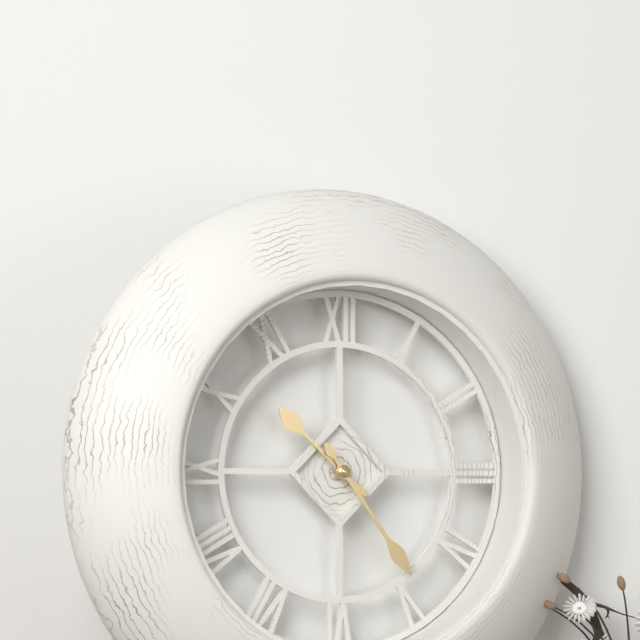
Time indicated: 10:24
